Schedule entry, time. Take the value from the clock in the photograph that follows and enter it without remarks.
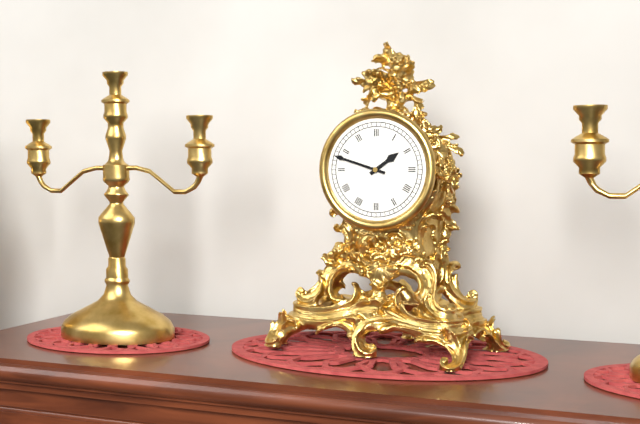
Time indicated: 1:48
